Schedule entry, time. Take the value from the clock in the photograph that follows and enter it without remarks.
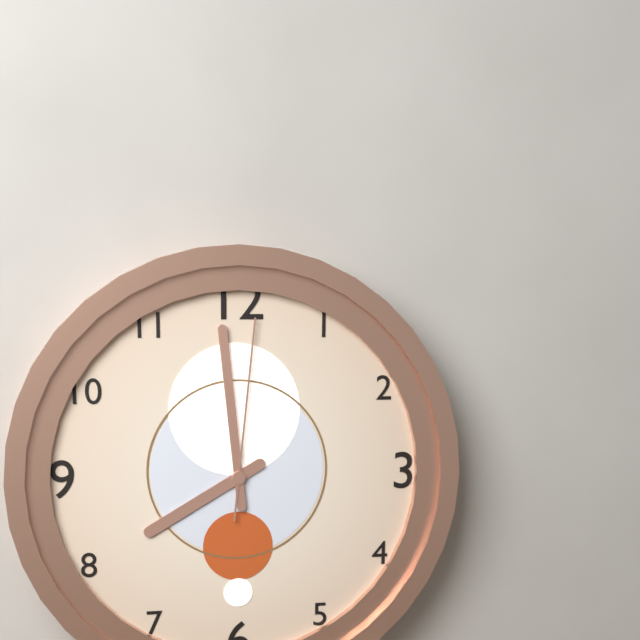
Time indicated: 7:59:01
